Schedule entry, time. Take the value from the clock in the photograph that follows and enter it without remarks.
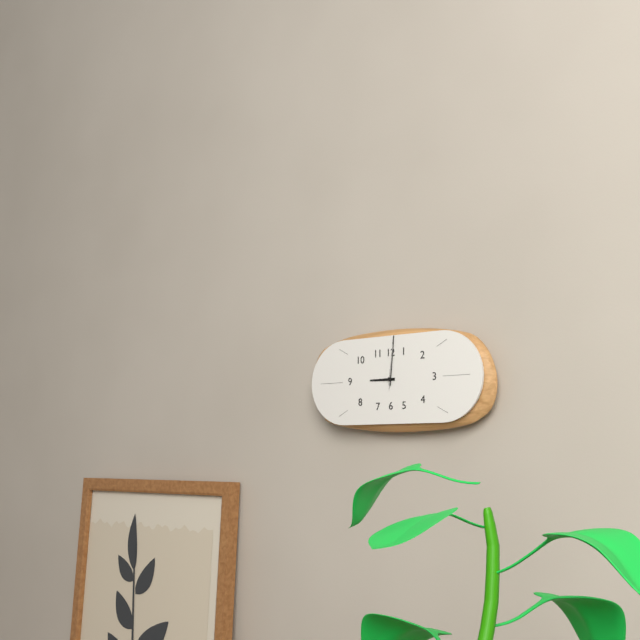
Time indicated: 9:01
